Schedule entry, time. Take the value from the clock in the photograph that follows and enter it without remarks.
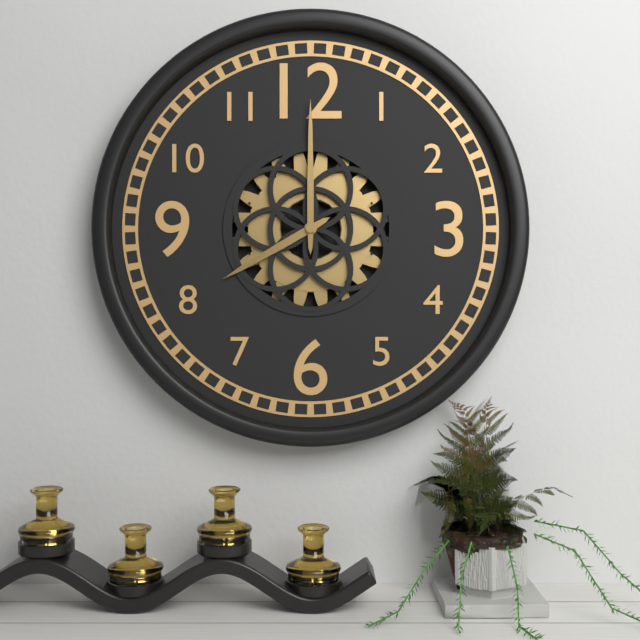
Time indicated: 8:00
